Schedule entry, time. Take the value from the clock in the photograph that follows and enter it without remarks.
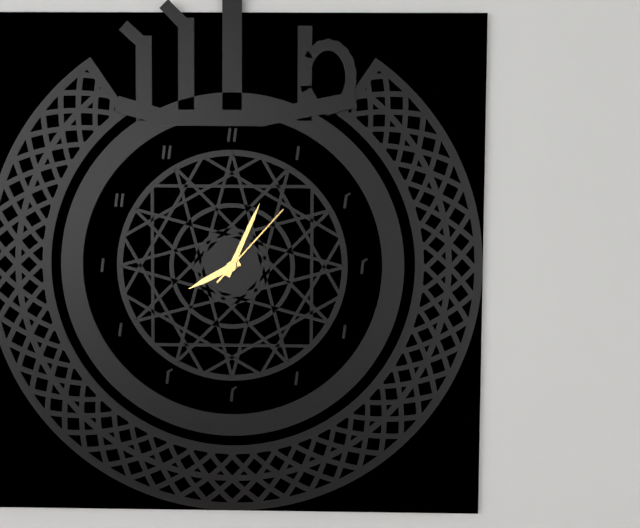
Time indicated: 8:04:07
